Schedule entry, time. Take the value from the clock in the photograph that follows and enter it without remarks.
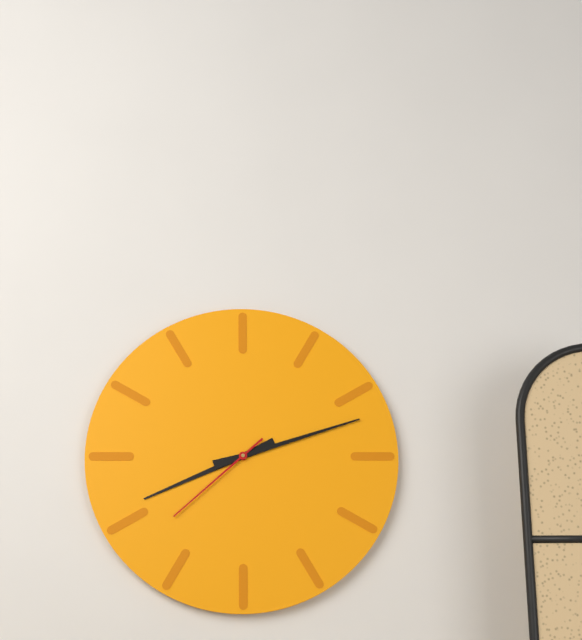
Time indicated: 8:12:38
